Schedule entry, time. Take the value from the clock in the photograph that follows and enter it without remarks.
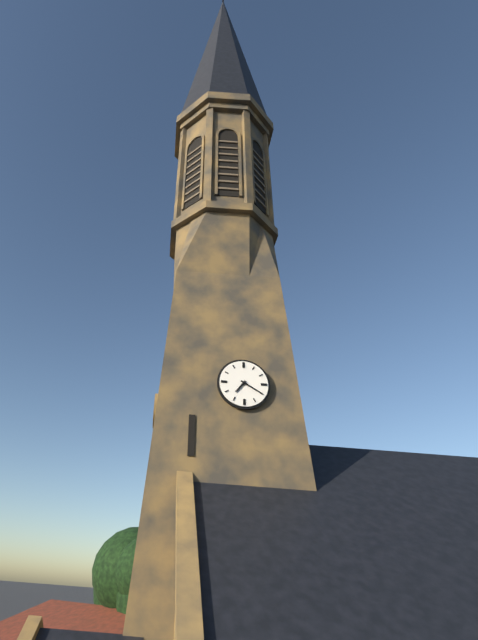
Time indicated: 7:20
